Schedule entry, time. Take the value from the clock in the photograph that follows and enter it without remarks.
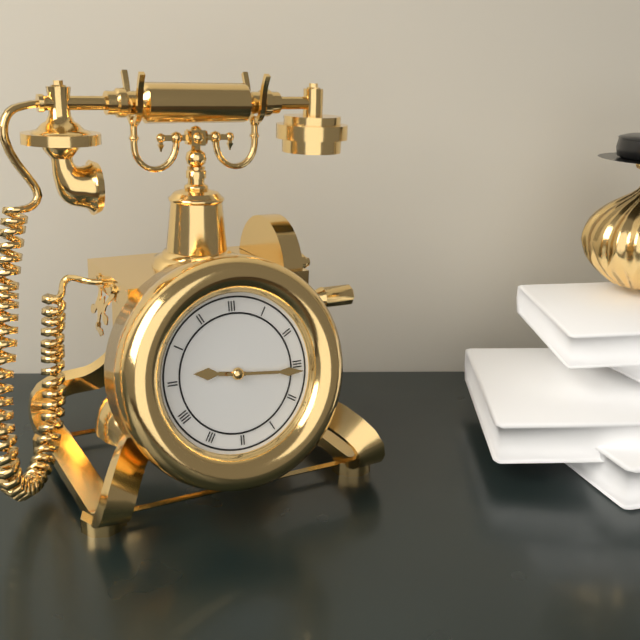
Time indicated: 9:16
